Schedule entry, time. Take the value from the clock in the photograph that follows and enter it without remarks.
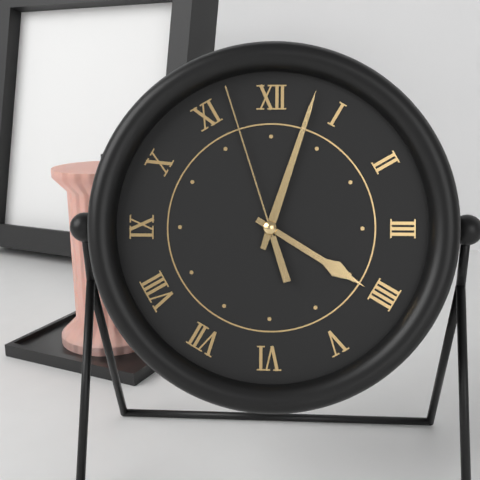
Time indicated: 4:03:57
